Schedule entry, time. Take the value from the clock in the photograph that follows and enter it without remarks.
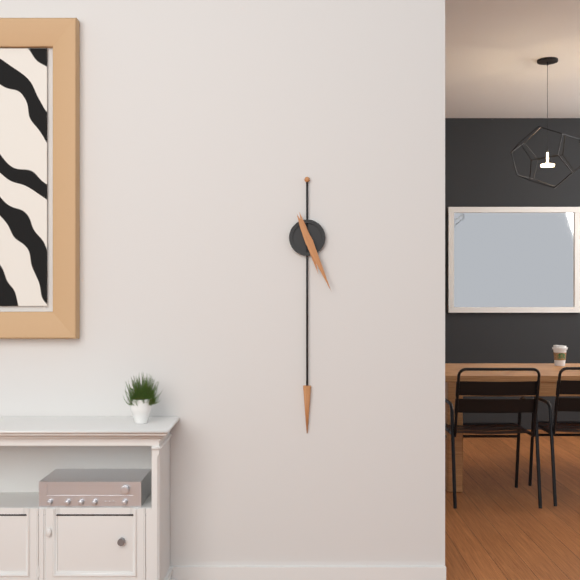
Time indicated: 5:26
